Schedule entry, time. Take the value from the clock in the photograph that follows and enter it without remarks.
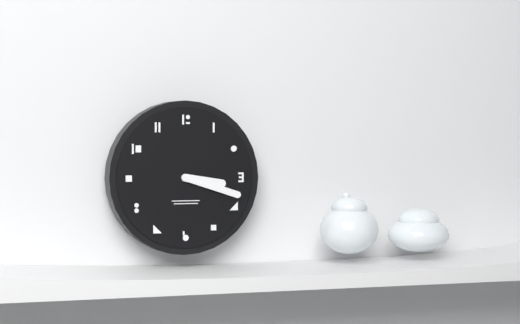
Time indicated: 3:18
